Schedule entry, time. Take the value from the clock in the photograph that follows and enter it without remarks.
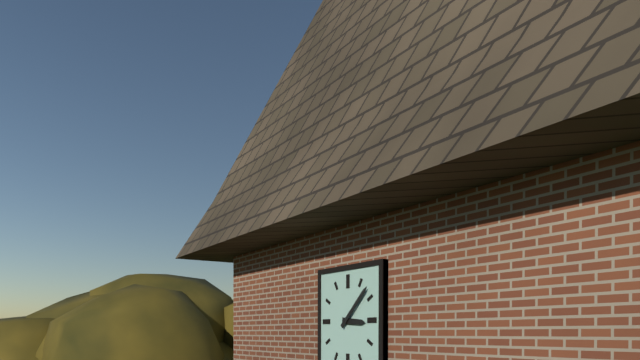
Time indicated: 3:08
